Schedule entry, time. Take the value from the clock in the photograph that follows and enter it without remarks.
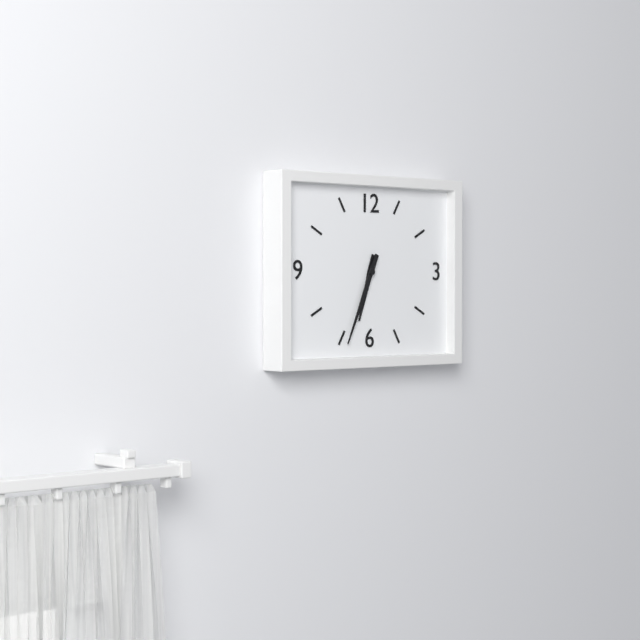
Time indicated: 6:34
